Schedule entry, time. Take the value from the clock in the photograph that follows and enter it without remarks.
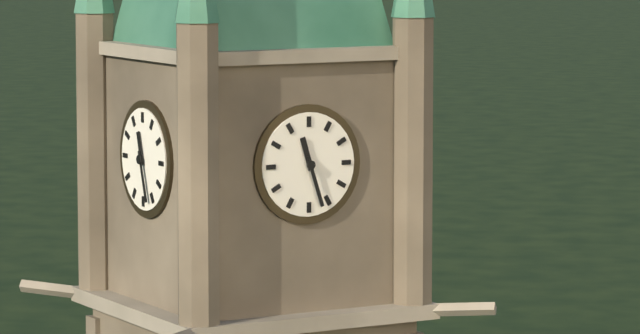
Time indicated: 11:27
